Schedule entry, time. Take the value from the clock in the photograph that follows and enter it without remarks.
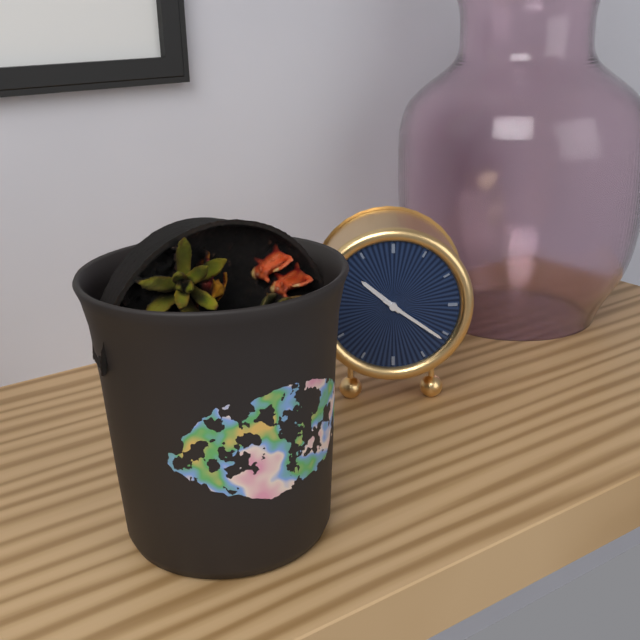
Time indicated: 10:21
